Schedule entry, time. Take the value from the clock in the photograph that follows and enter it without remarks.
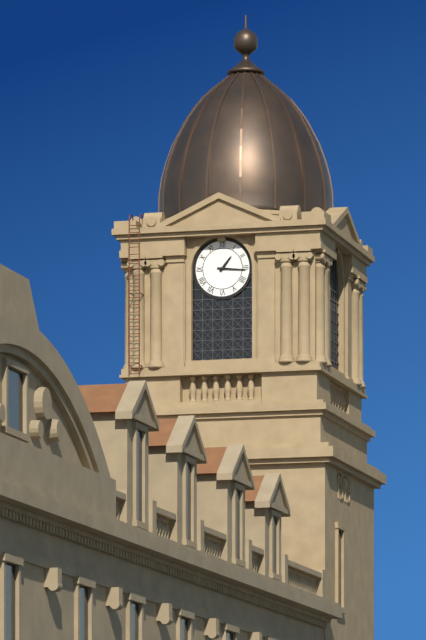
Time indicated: 1:16
